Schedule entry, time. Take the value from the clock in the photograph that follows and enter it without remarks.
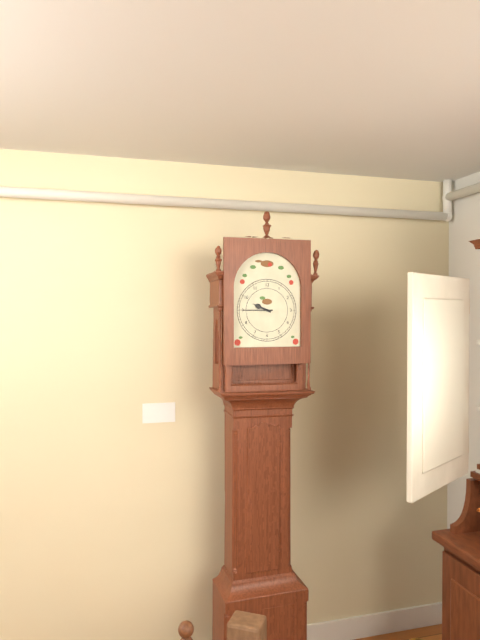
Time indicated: 9:45
